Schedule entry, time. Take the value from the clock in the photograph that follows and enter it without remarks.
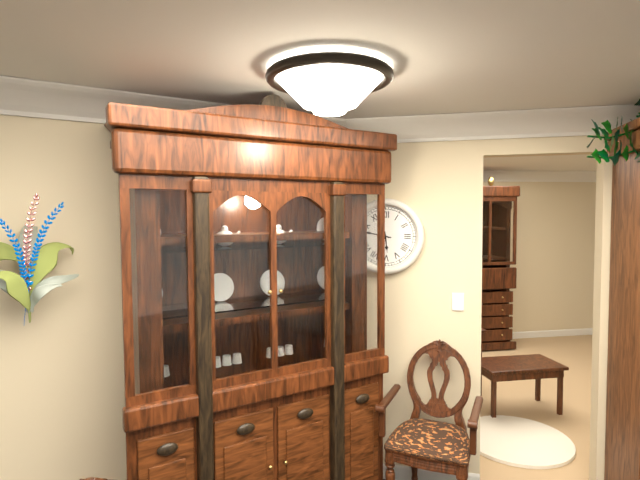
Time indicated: 5:47
